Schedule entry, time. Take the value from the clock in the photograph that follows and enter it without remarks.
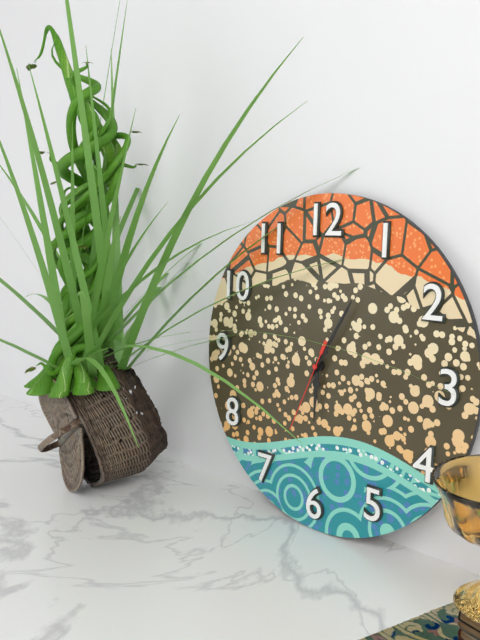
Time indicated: 6:05:34
